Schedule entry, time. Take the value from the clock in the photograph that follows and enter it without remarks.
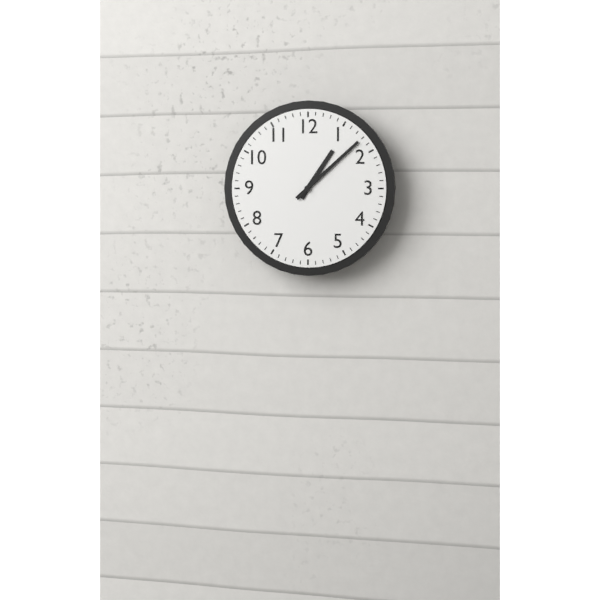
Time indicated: 1:08
